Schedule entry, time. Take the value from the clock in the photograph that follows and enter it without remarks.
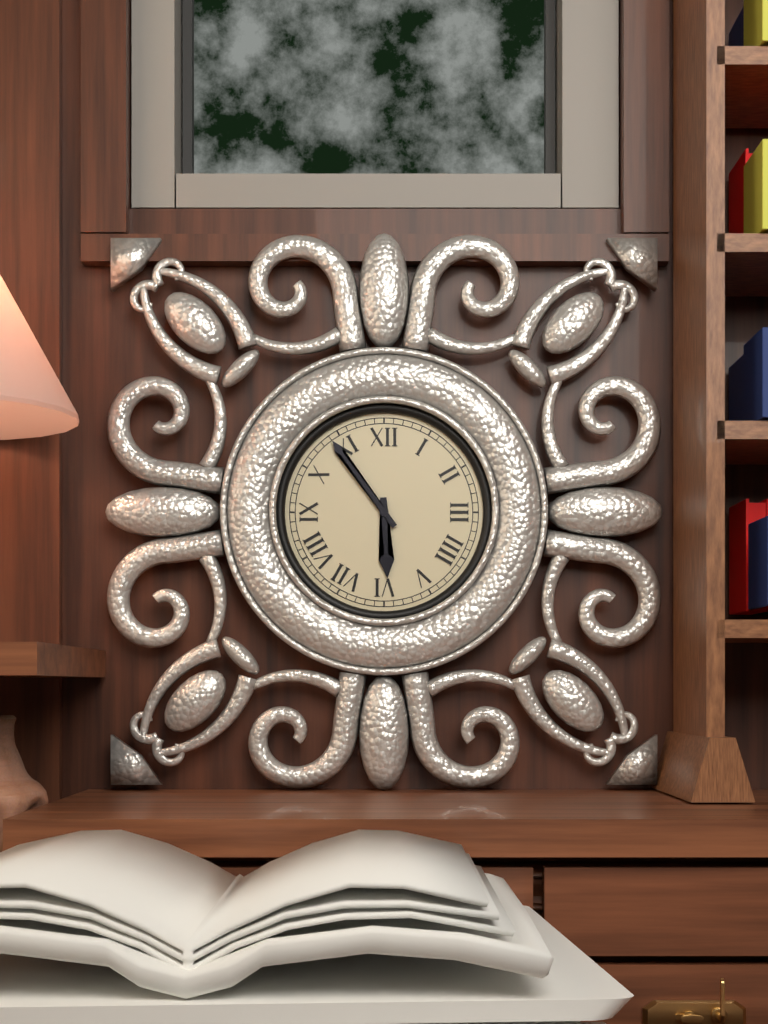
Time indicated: 5:54
